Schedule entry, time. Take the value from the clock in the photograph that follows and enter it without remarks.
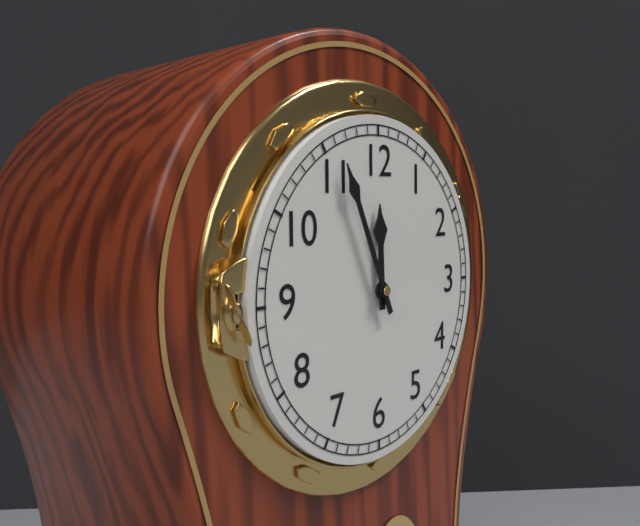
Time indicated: 11:56
